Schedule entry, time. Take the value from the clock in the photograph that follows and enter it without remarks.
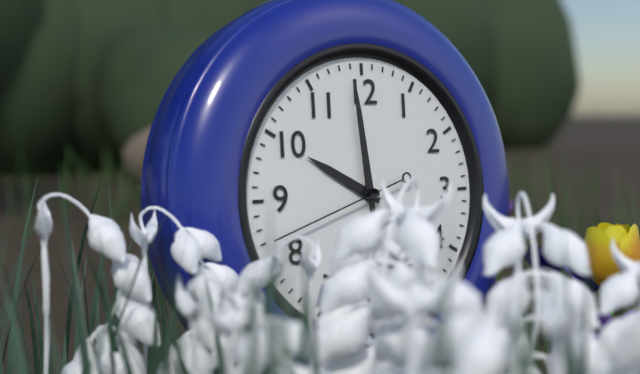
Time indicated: 9:59:42
